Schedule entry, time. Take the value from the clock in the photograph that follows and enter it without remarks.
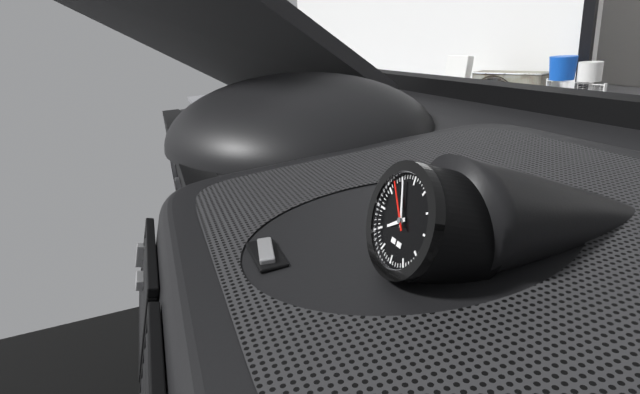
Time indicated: 7:56:53
